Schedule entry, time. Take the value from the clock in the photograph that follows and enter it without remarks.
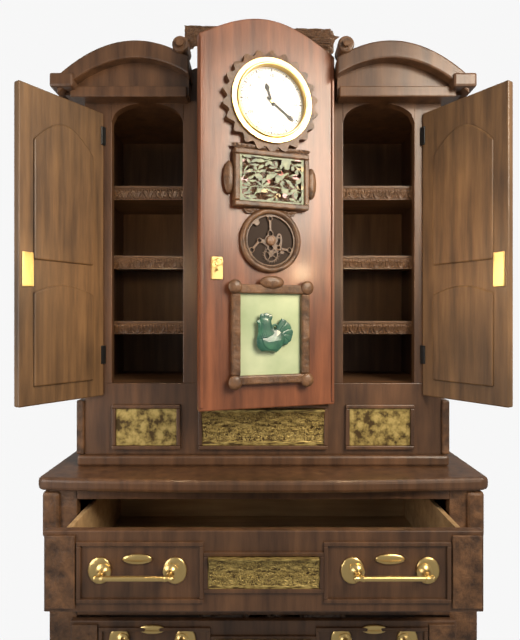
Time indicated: 11:21
